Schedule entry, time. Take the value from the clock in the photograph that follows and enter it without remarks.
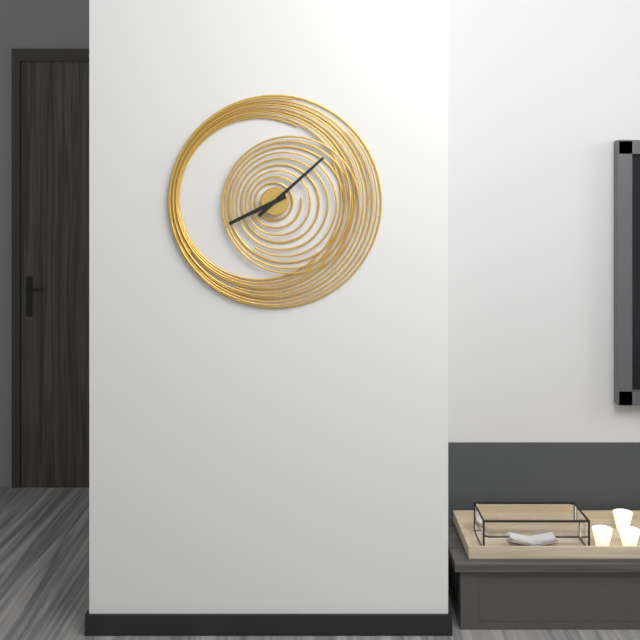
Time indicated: 8:08
